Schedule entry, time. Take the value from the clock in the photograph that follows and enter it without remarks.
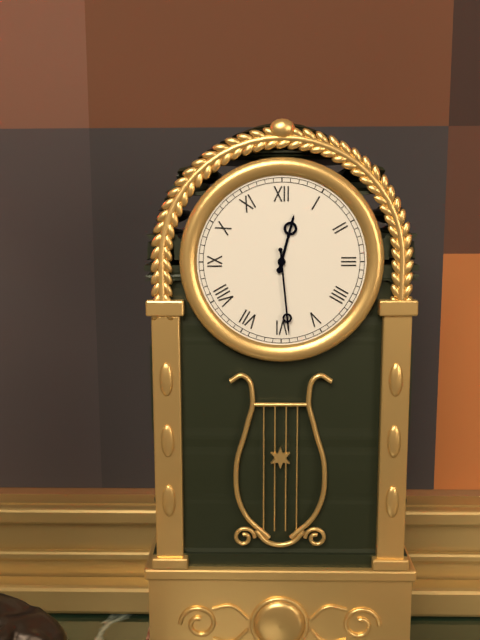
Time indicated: 12:29
